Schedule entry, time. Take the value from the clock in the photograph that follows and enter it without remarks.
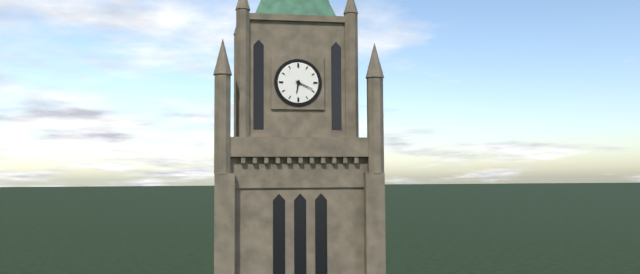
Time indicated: 6:19
